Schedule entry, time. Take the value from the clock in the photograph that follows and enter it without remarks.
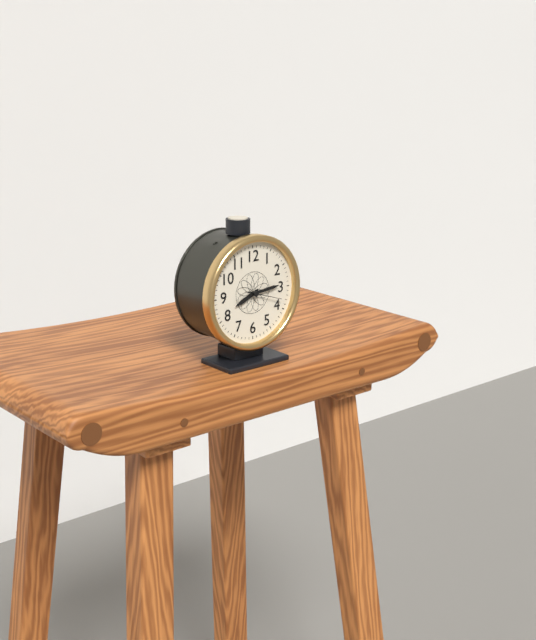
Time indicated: 8:14
